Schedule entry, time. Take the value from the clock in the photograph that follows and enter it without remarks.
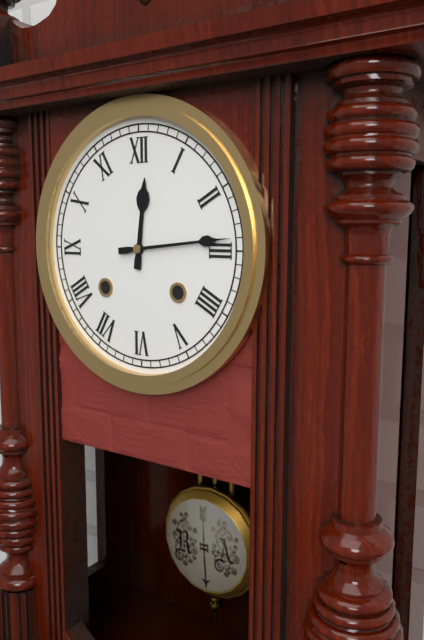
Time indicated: 12:14
